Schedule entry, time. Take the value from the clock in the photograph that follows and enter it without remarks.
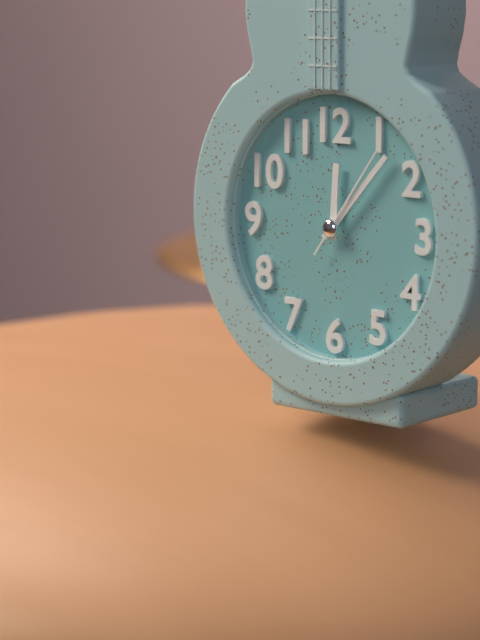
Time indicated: 12:07:06
